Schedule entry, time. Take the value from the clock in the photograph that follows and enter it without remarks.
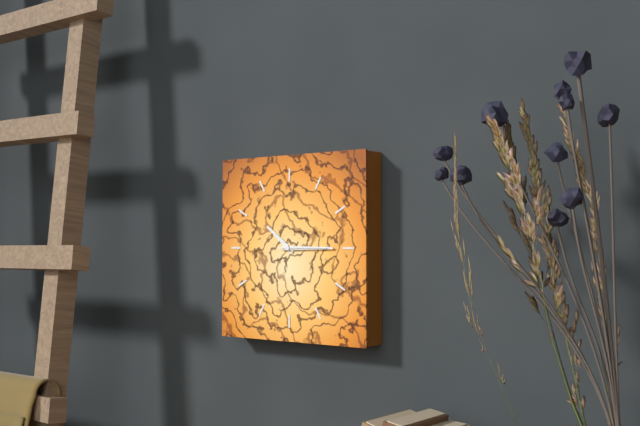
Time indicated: 10:15
